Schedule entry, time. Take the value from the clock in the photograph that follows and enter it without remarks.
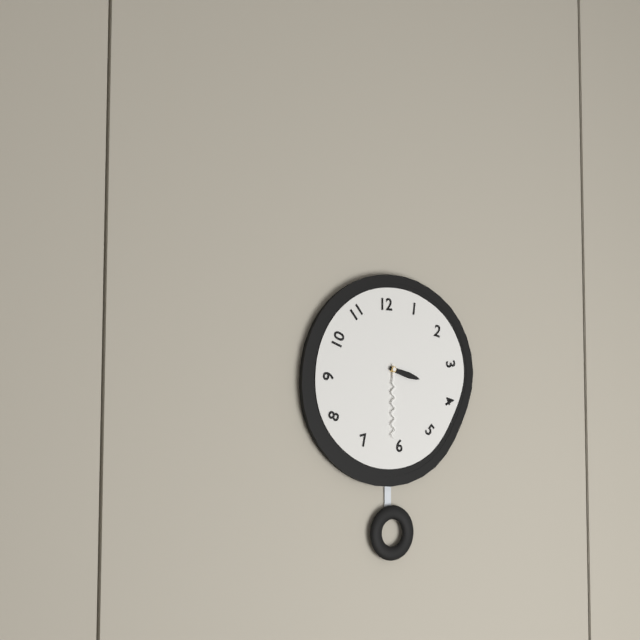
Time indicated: 3:30
